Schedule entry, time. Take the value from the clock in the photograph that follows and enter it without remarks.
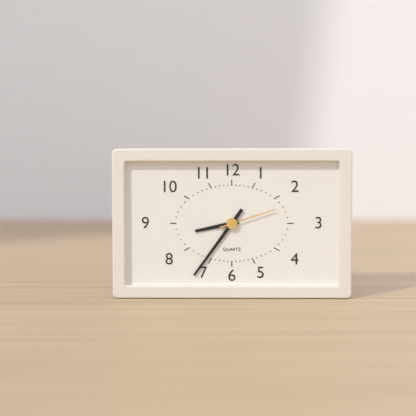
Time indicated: 8:36:12
